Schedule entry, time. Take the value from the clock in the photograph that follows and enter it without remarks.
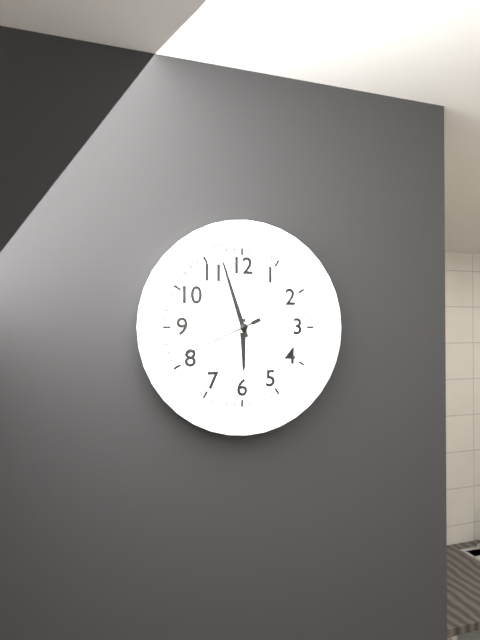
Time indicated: 5:57:41
